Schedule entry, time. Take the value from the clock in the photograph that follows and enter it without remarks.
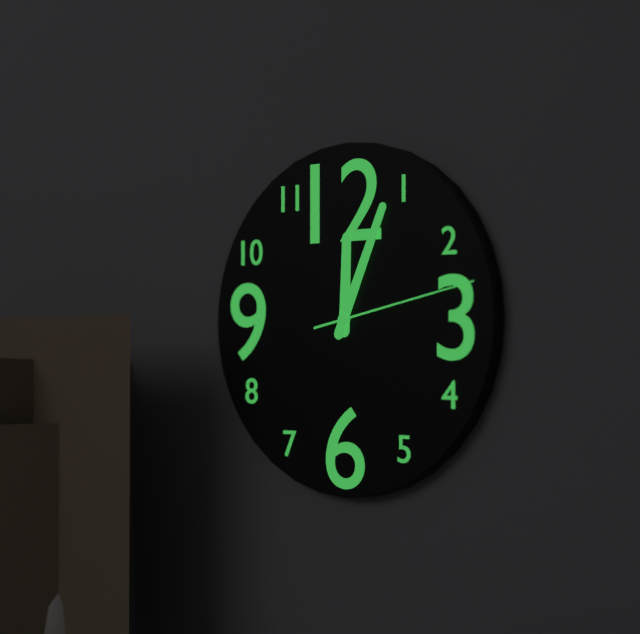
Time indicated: 12:04:13
